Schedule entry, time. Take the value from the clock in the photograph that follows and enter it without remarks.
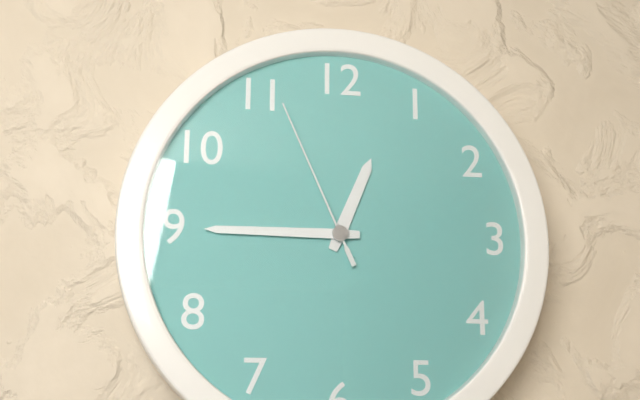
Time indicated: 12:45:56
